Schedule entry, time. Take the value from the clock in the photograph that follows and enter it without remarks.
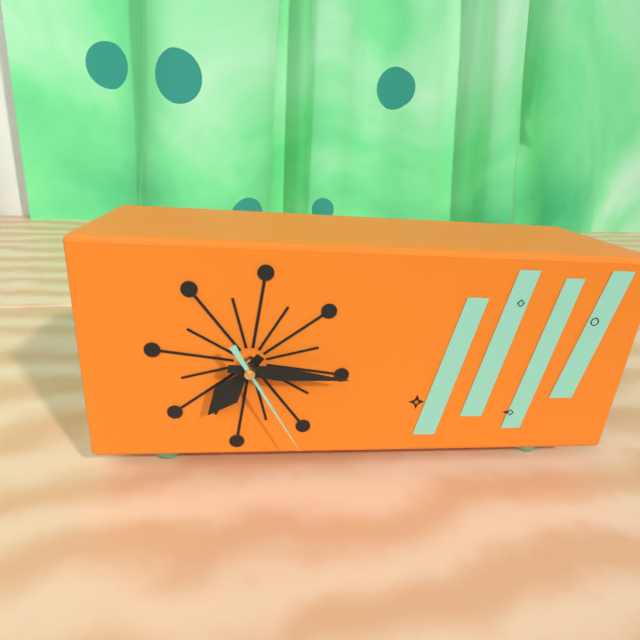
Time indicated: 7:16:25
